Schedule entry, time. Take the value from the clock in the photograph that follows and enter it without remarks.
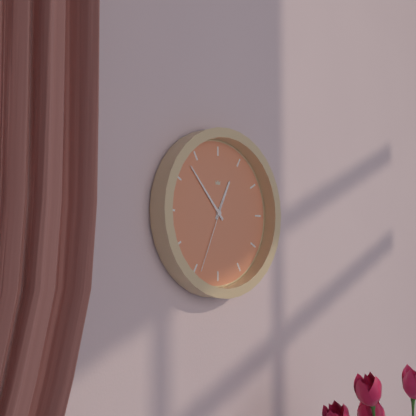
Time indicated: 12:53:34
